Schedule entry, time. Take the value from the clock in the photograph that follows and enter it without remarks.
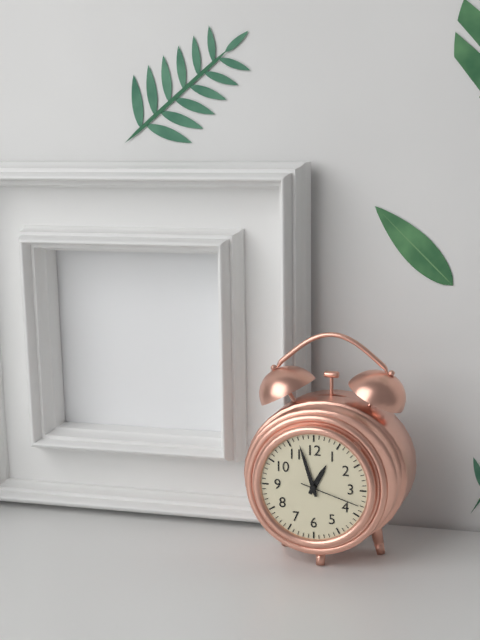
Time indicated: 12:57:18
